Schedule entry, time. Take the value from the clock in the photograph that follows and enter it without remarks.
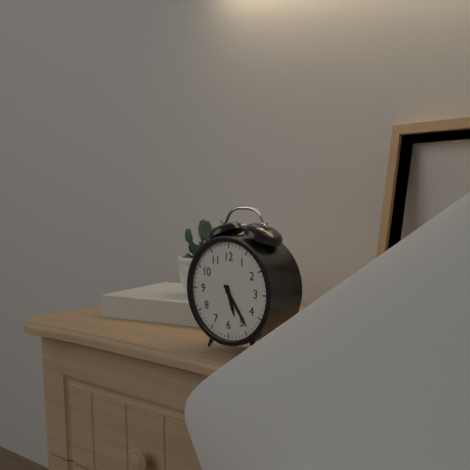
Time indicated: 5:24
